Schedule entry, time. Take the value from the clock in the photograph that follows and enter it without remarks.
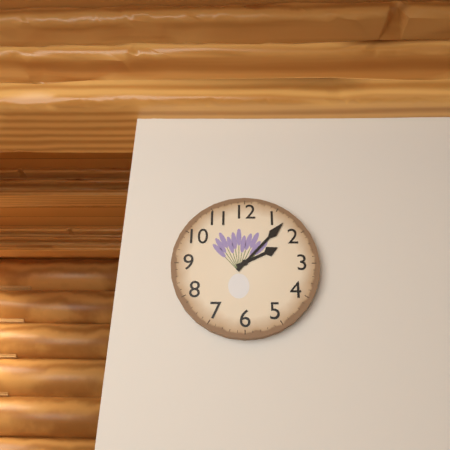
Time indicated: 2:07
